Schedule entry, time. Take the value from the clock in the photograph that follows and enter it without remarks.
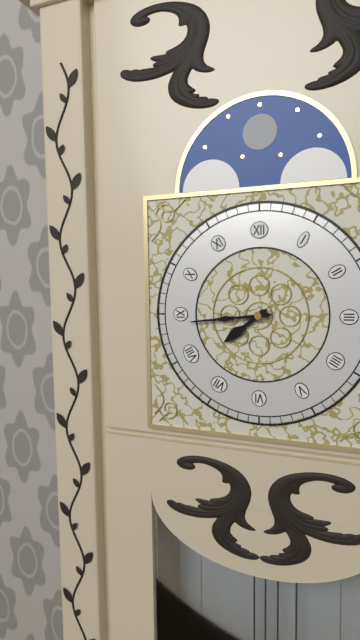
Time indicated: 7:44
